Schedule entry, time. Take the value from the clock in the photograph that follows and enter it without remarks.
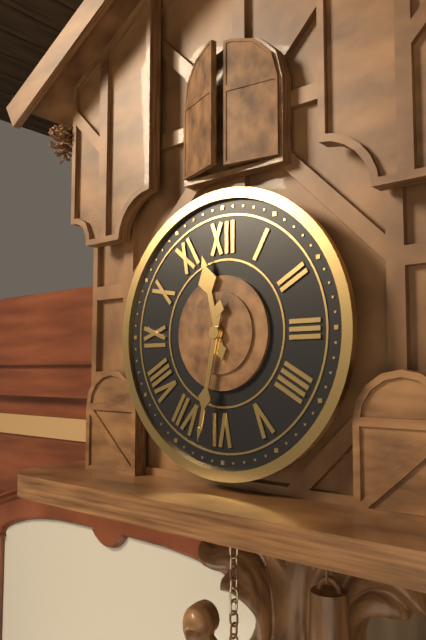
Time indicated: 11:32
